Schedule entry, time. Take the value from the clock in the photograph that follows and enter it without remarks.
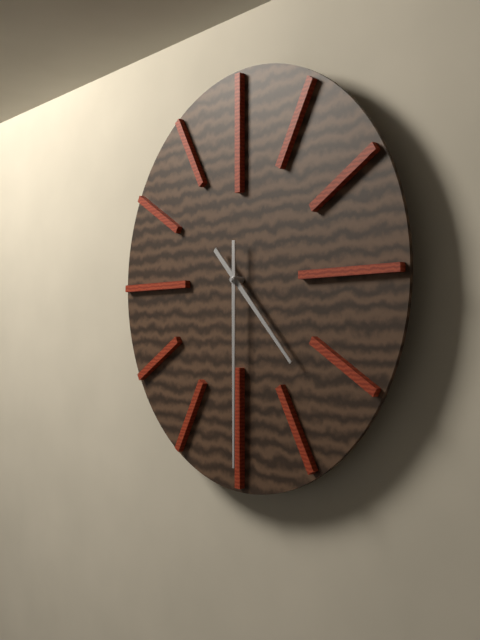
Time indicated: 4:30
